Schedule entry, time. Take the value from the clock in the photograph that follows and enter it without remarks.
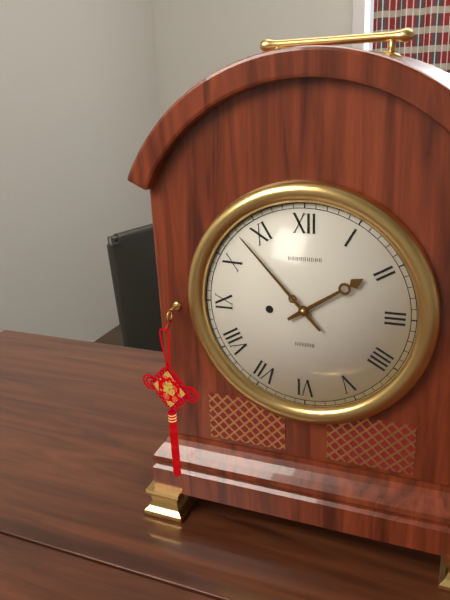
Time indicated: 1:53
